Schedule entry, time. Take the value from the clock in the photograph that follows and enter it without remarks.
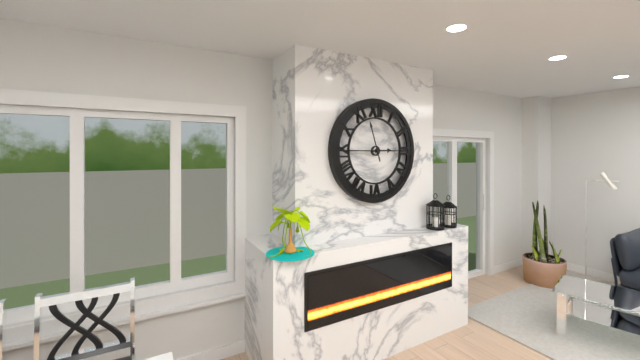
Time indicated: 2:57
